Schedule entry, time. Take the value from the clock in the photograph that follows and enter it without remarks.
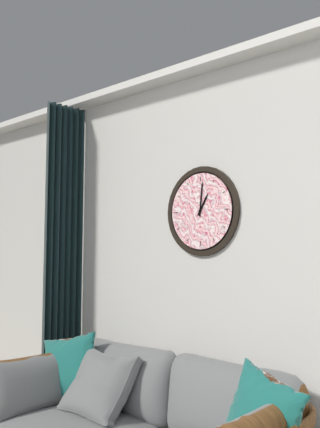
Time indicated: 1:01
